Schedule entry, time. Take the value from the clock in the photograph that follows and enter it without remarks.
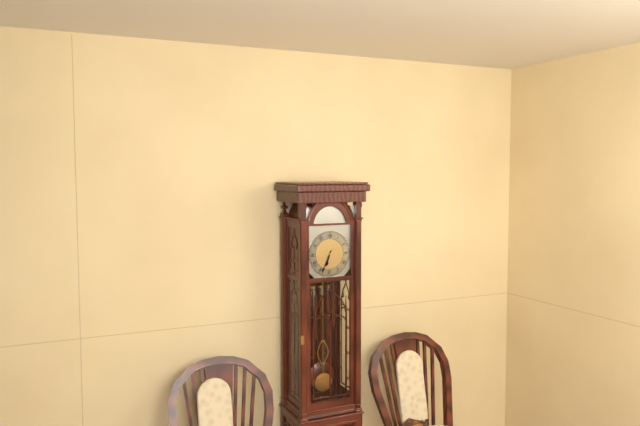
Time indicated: 6:34
